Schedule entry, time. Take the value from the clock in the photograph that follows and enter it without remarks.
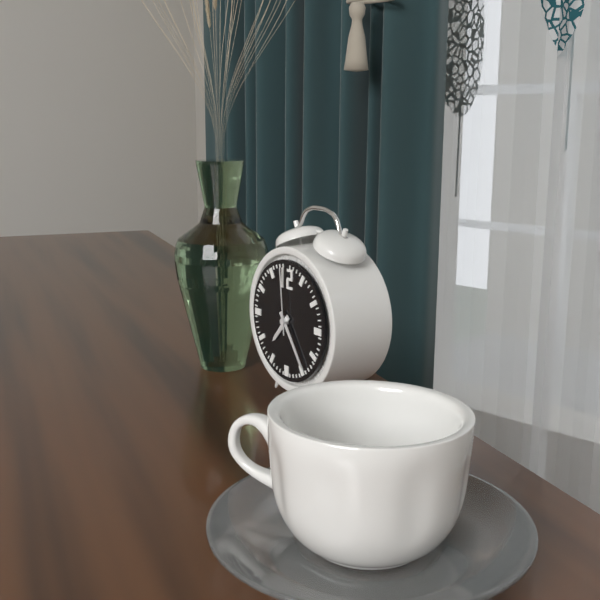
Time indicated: 7:24:59
